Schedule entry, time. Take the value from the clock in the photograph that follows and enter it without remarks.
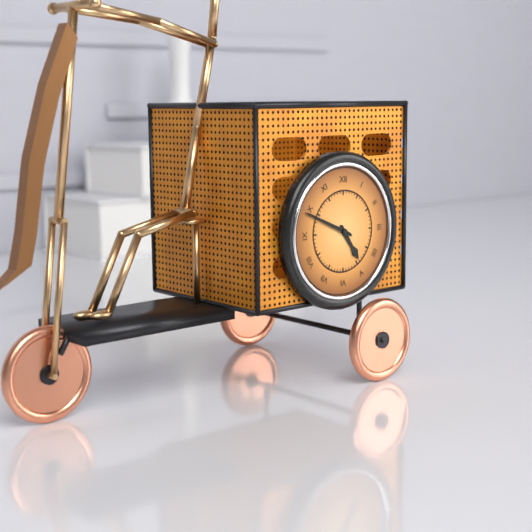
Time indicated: 4:49
